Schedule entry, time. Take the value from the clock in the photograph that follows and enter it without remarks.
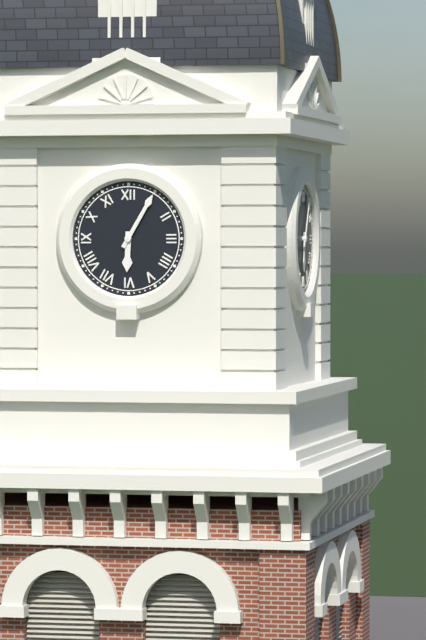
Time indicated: 6:05
